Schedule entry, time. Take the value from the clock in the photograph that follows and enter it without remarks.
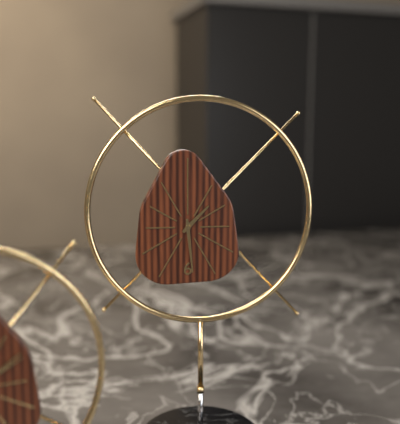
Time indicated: 1:29
